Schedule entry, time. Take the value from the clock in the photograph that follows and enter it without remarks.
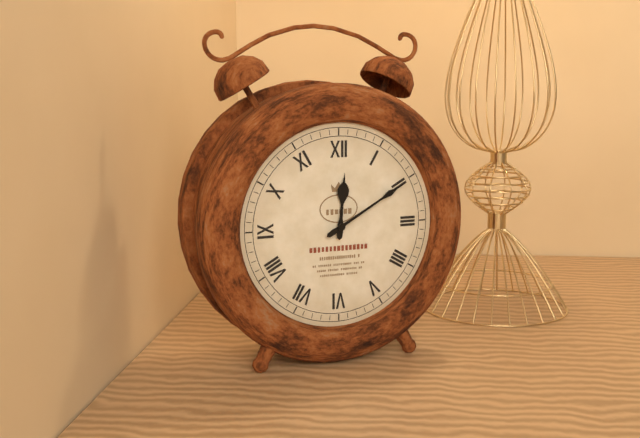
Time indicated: 12:10
